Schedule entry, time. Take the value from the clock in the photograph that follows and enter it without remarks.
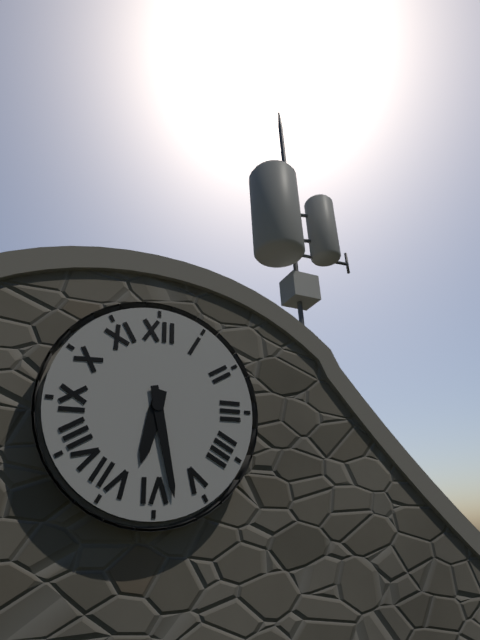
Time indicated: 6:28
